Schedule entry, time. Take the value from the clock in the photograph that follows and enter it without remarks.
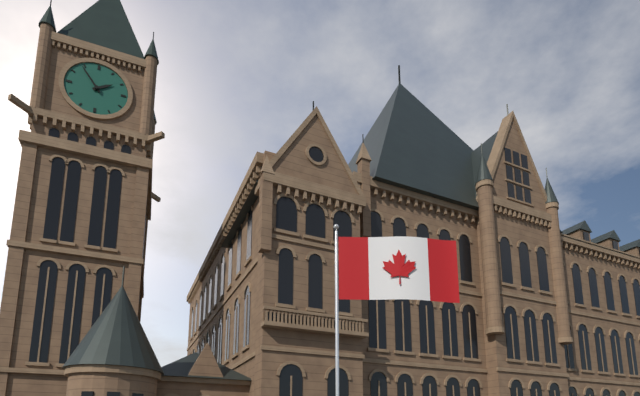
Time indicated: 1:54
